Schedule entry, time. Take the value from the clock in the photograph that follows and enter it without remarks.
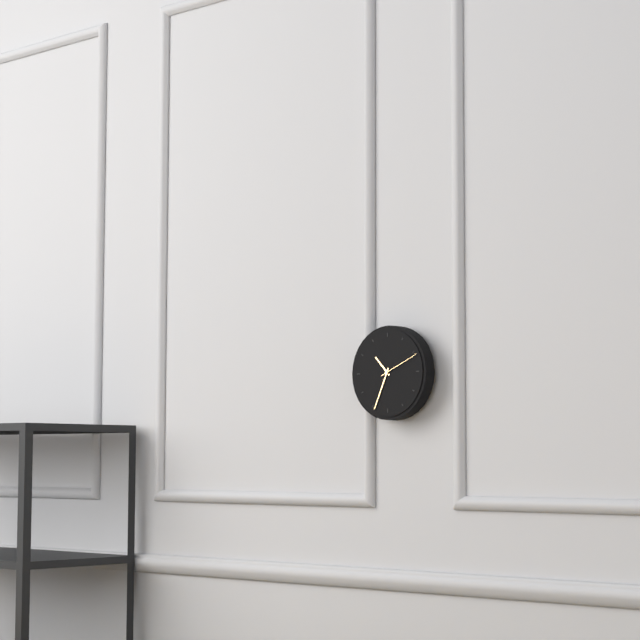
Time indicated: 10:34
